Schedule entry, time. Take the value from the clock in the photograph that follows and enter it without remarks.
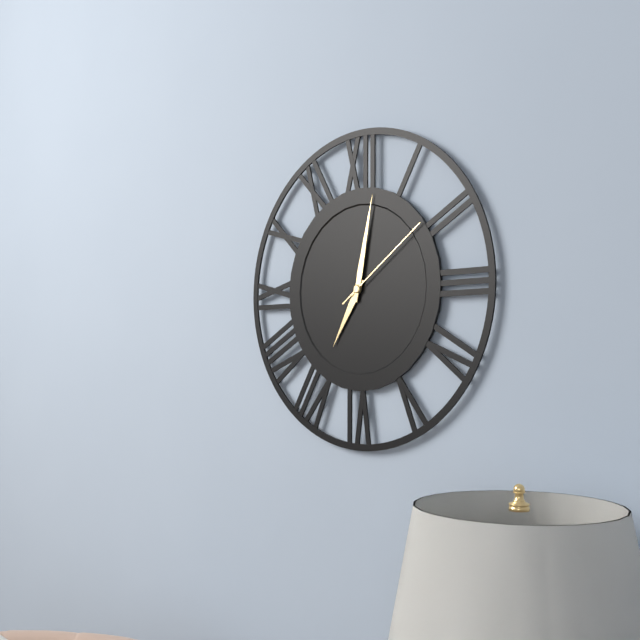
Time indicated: 7:02:09
